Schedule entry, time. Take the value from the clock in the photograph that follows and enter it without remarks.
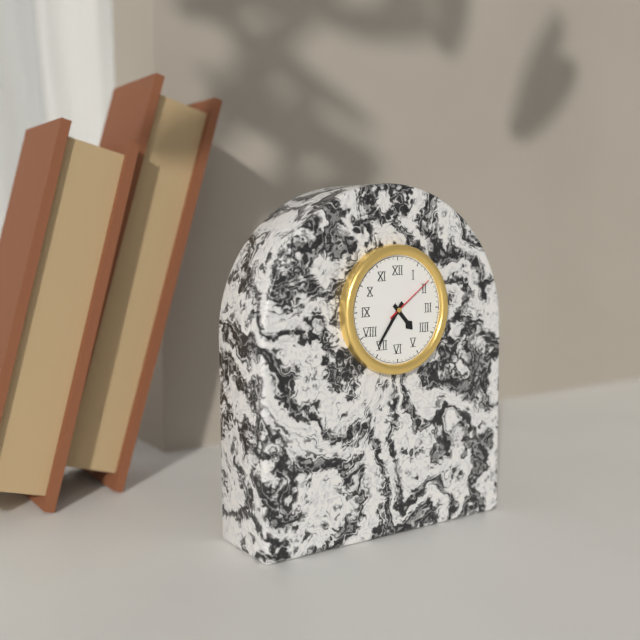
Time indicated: 4:36:09
